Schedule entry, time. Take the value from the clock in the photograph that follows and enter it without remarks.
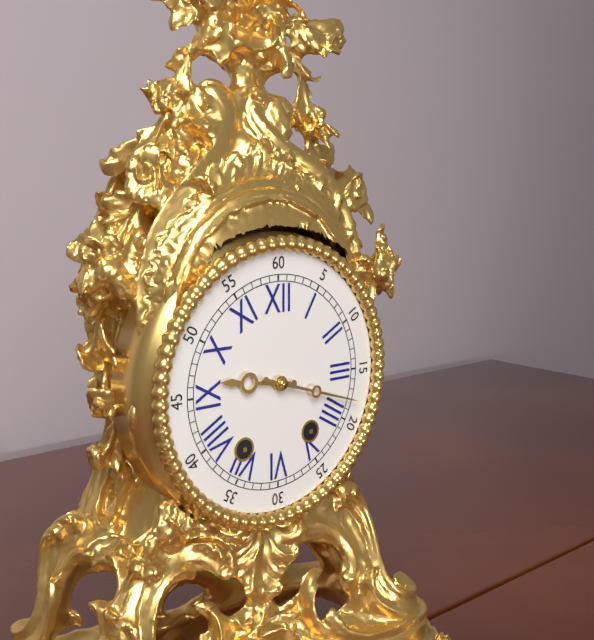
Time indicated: 9:18
